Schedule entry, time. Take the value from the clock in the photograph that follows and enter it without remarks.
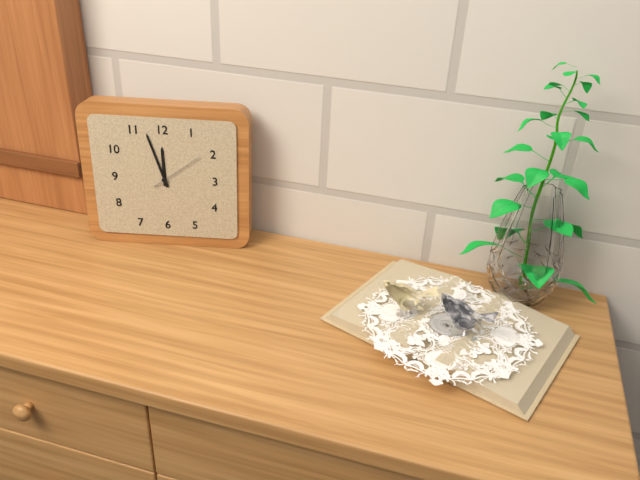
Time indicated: 11:57:09
